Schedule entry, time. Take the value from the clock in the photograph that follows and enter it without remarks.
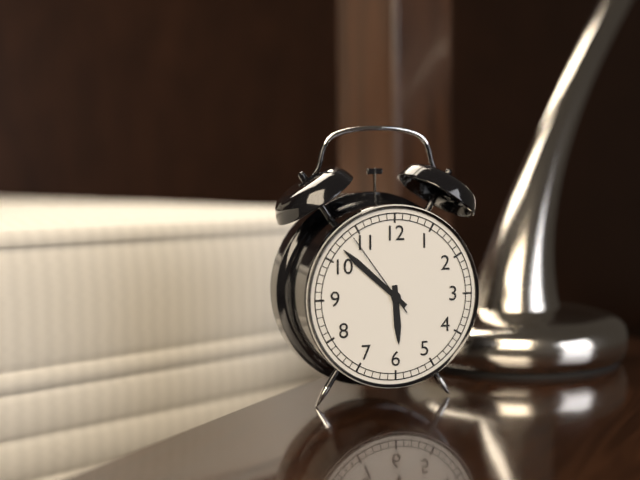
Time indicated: 5:52:54
